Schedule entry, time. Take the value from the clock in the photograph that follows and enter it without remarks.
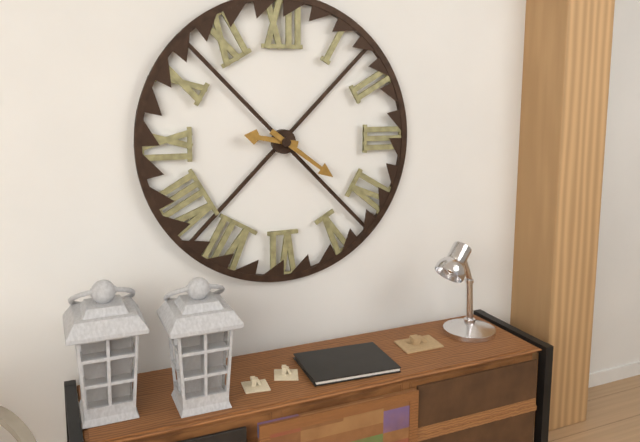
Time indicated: 9:21
